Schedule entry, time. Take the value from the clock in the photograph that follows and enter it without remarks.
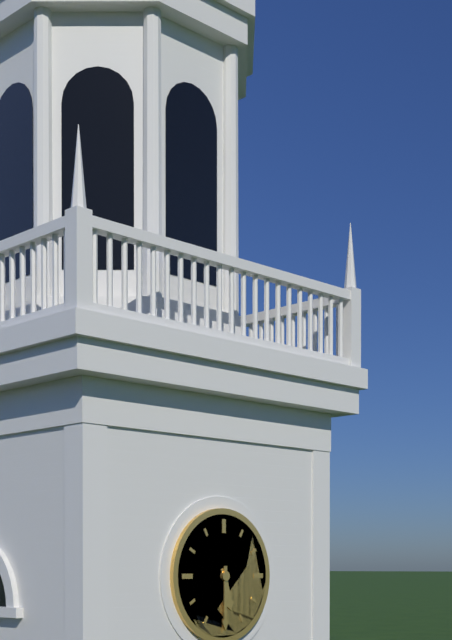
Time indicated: 5:30
